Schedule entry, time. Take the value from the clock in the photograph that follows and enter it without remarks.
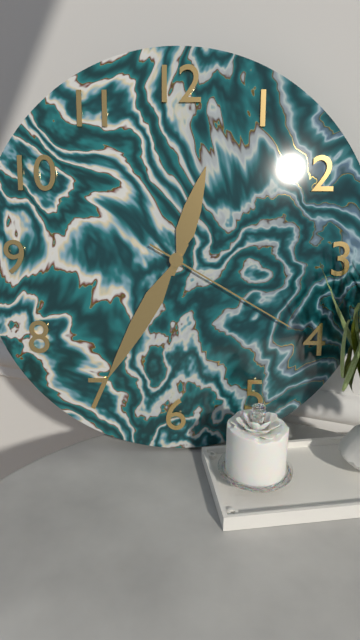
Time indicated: 12:35:20
